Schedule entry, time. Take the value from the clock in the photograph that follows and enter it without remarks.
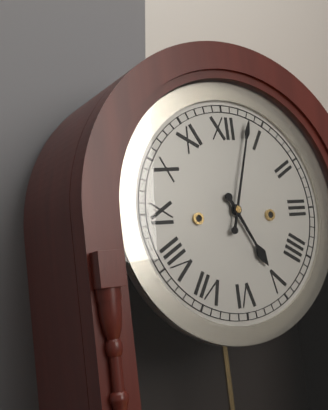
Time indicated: 5:03
